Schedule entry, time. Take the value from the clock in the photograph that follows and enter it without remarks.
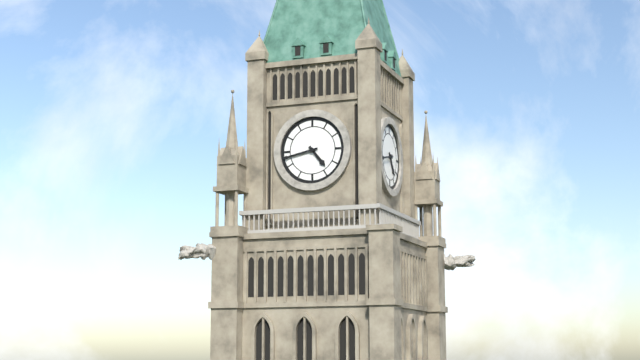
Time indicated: 4:43
